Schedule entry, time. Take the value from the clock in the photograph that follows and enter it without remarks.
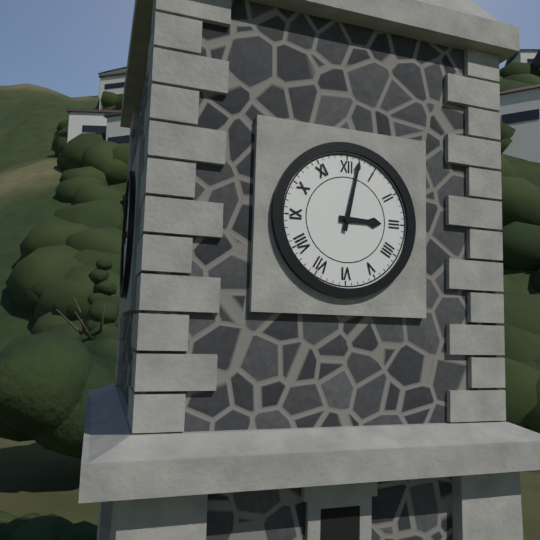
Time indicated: 3:02
